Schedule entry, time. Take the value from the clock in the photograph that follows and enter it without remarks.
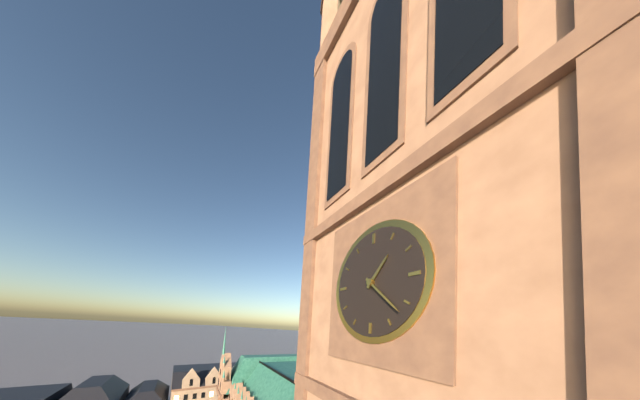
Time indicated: 1:22
